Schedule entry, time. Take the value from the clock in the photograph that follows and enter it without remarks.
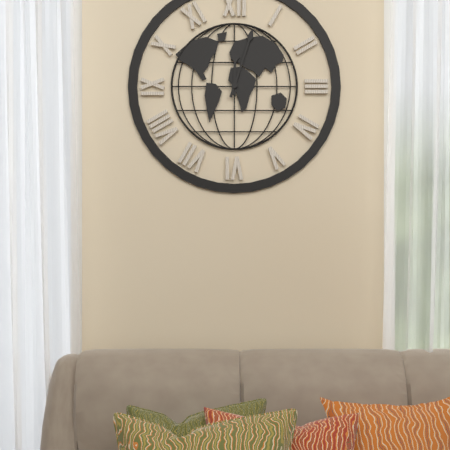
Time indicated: 12:03
